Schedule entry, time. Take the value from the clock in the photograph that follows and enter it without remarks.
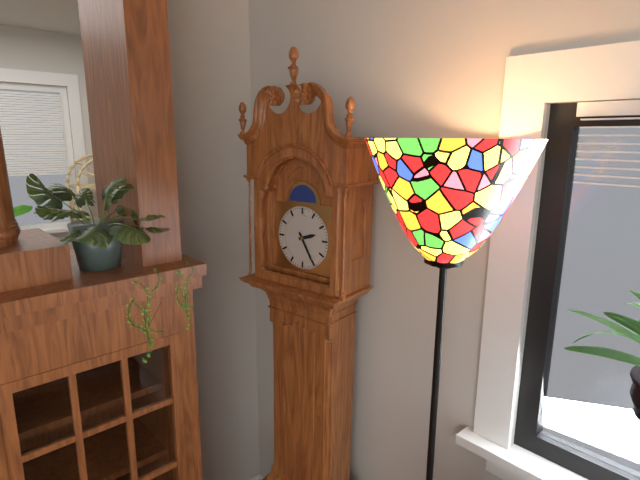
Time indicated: 2:25
